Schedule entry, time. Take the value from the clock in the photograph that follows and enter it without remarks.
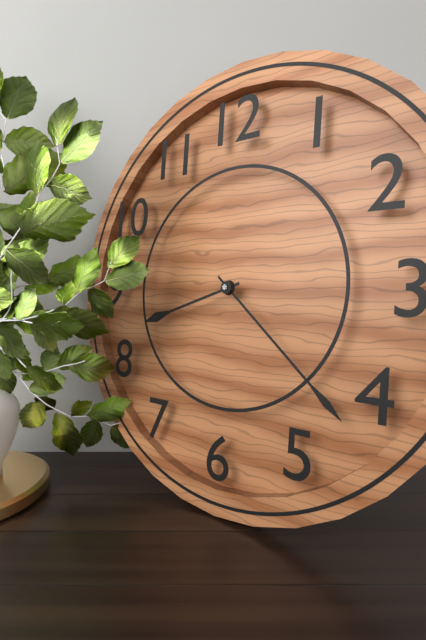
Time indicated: 8:22
